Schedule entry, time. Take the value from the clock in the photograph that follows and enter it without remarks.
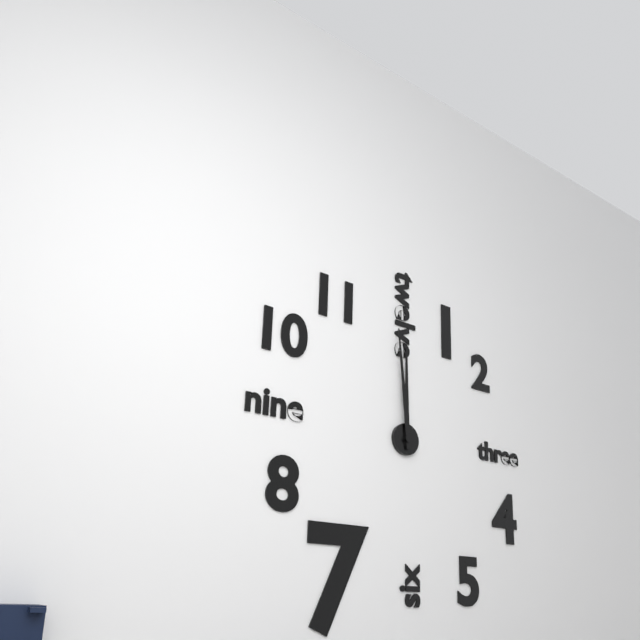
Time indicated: 11:59
